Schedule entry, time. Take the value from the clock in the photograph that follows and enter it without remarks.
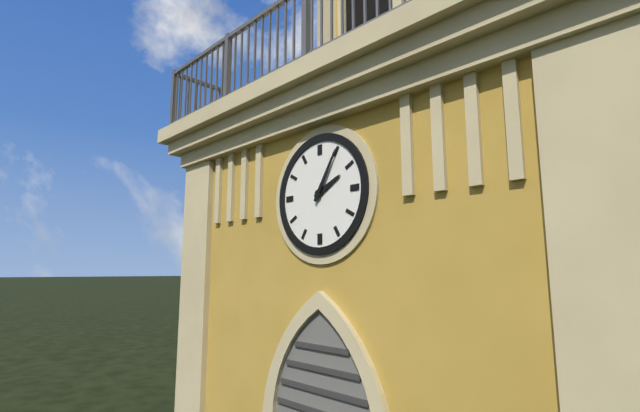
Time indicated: 2:05
